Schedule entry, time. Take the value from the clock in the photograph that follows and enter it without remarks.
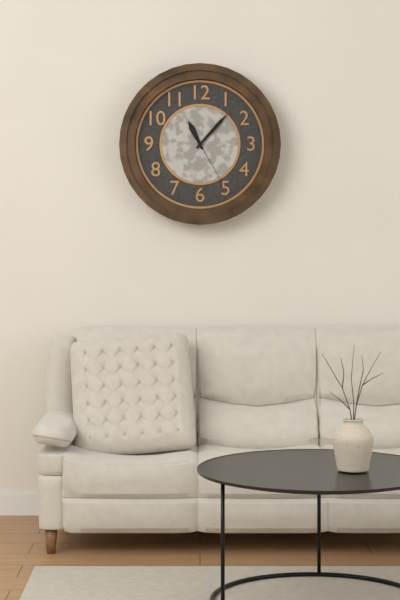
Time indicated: 11:07:25
